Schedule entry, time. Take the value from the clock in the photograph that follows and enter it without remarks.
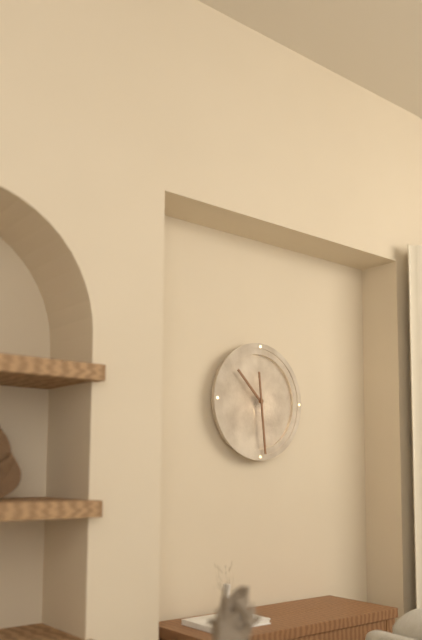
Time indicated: 10:29
